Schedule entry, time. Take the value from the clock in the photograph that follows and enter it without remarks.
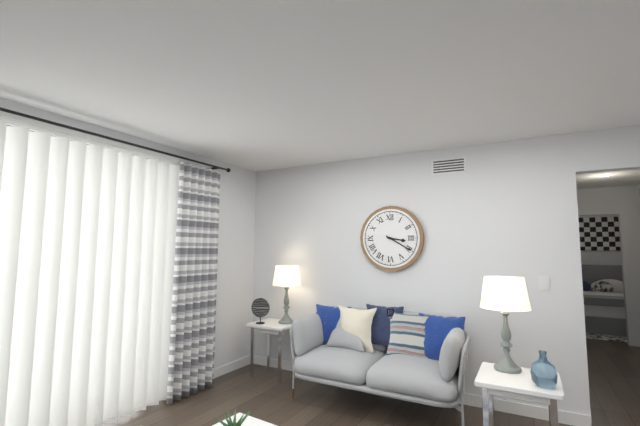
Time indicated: 3:20
